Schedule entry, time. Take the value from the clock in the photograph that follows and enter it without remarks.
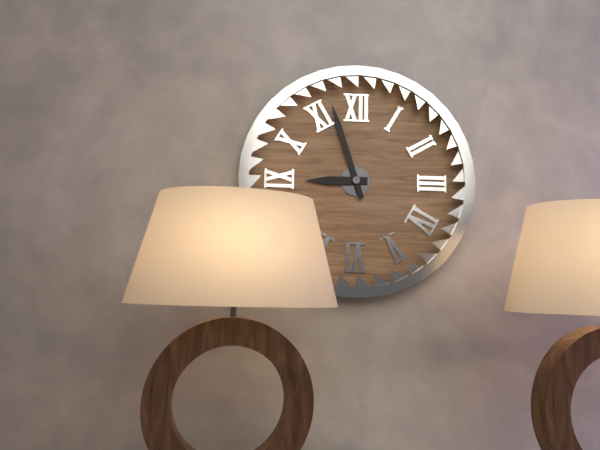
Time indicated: 8:57
